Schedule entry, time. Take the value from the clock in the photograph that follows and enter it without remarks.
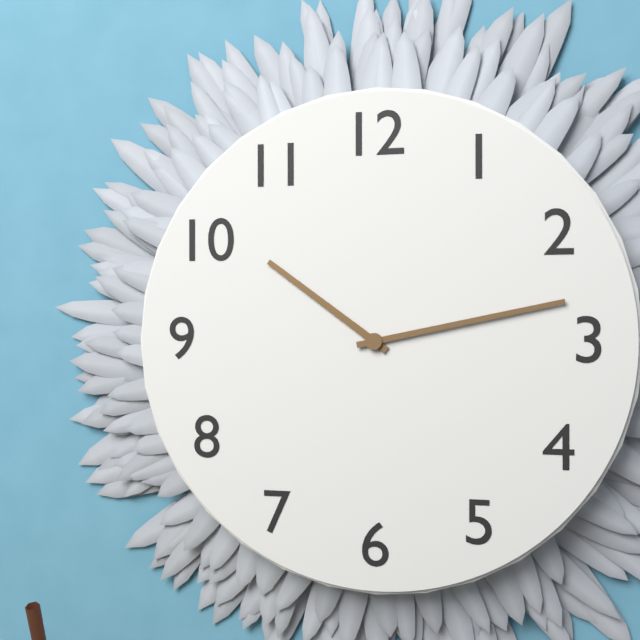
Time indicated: 10:13
